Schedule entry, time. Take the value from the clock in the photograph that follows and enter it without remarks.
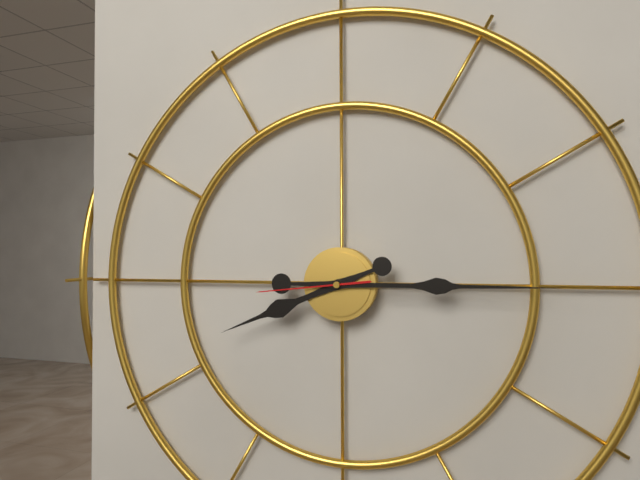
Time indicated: 8:15:44
